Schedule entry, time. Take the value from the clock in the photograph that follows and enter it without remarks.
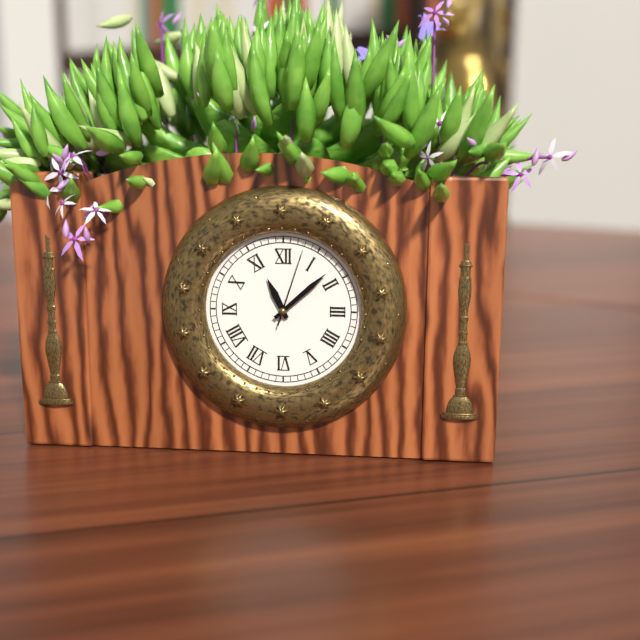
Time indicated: 11:08:03
